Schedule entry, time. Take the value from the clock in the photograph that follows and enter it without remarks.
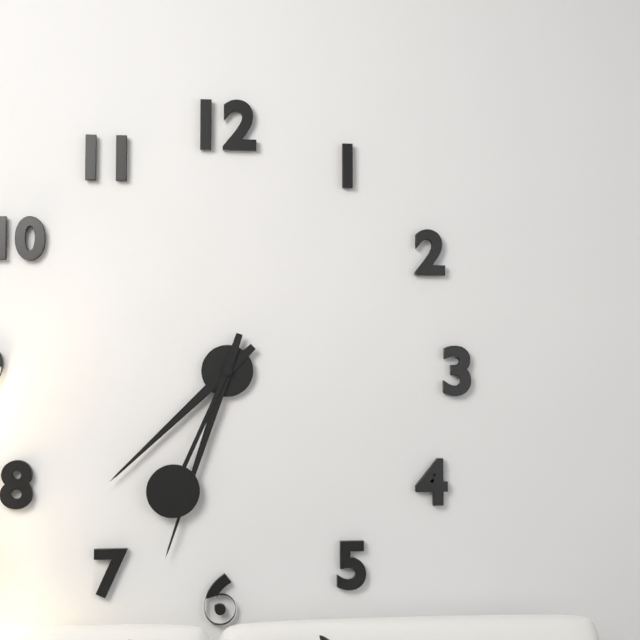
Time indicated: 7:33:34
